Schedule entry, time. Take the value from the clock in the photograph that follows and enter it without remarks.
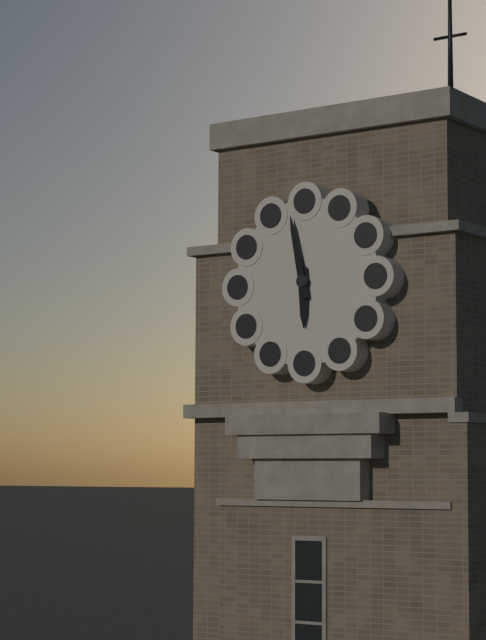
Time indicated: 5:58
